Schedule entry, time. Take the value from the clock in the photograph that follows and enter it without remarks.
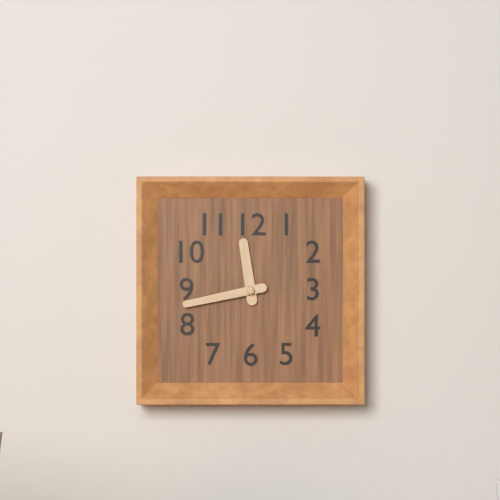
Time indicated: 11:43
